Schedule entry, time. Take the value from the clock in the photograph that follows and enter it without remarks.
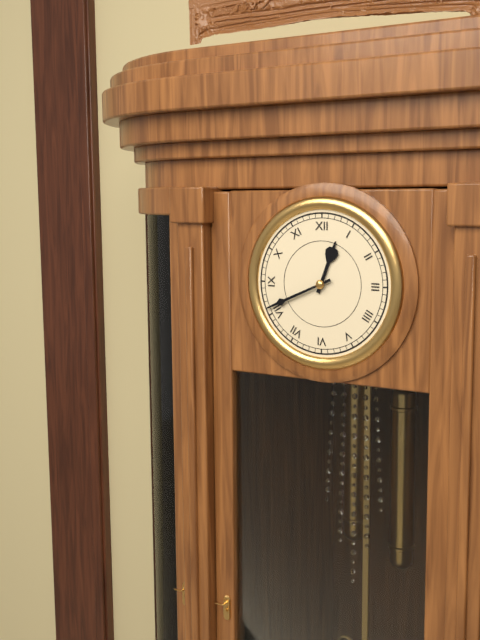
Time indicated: 12:41
